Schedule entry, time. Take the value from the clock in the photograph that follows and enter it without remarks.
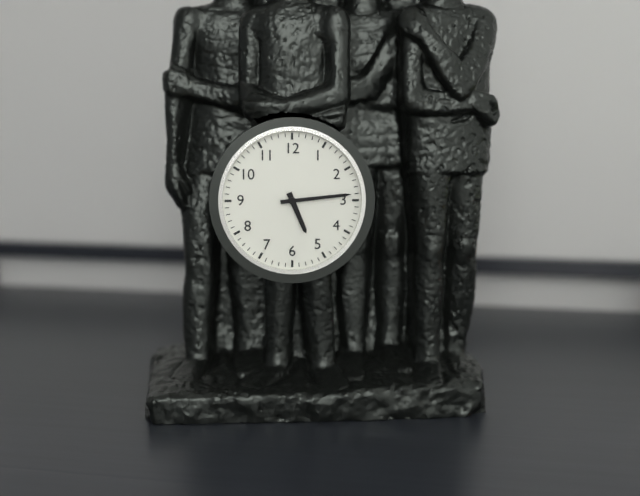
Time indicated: 5:14
